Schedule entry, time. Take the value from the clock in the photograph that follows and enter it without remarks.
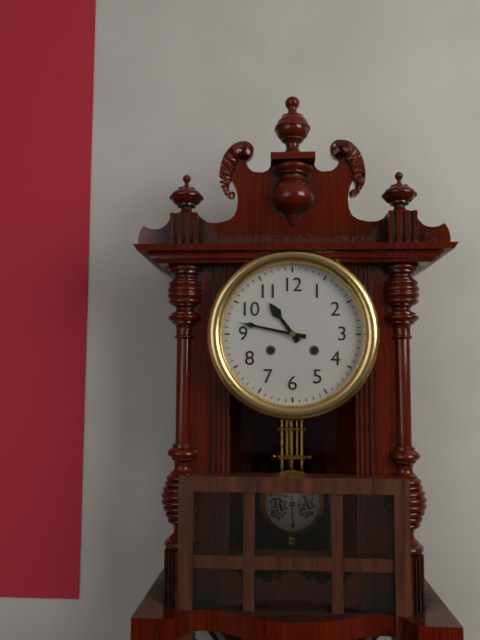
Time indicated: 10:47
